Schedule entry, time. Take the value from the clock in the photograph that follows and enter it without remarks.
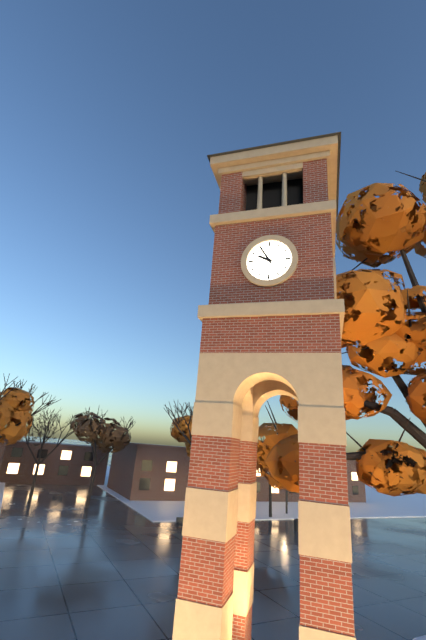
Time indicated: 9:55
